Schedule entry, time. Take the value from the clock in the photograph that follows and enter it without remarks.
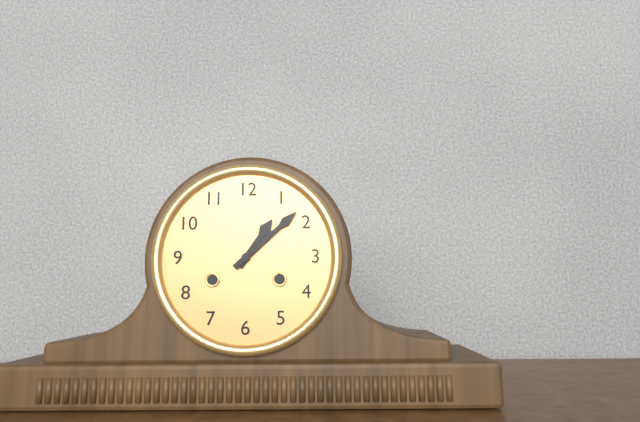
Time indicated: 1:08
